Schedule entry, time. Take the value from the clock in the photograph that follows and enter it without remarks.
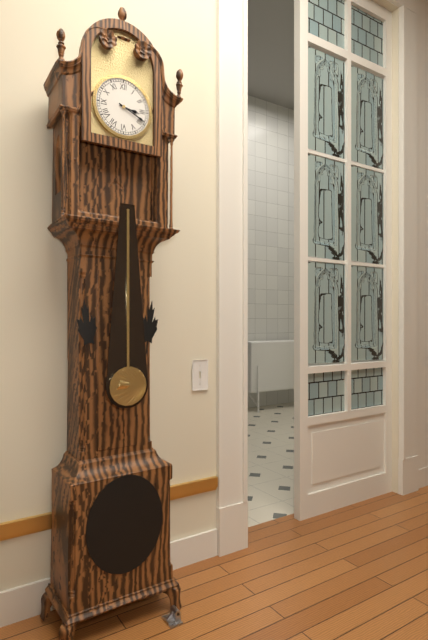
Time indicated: 3:19
